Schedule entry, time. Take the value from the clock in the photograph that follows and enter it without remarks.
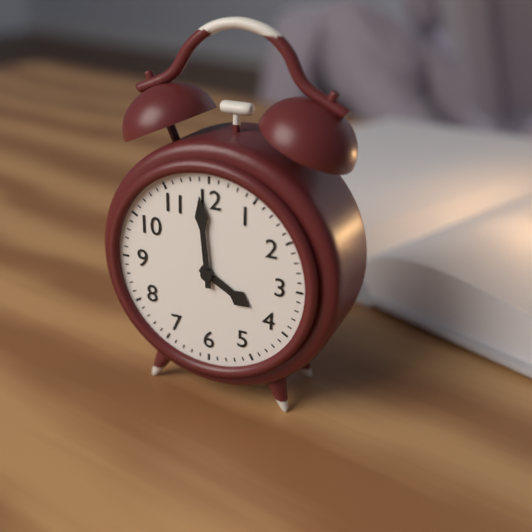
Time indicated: 3:59
